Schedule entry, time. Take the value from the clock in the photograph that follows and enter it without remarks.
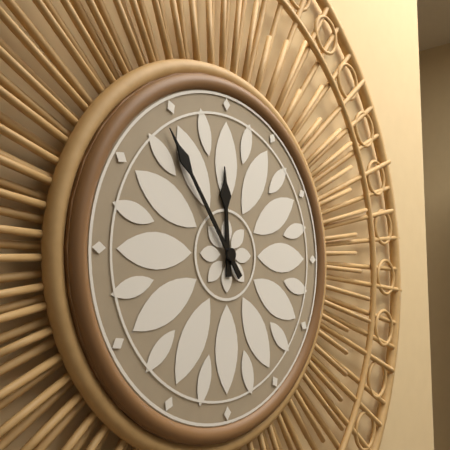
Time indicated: 11:54
